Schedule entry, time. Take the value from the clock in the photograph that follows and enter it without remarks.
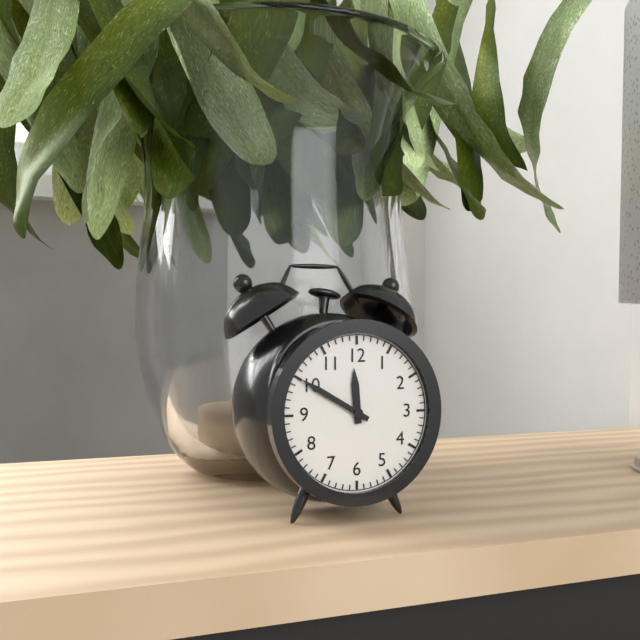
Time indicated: 11:50
